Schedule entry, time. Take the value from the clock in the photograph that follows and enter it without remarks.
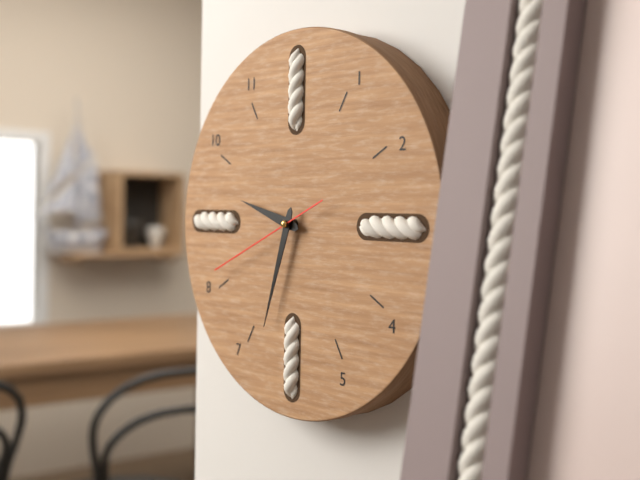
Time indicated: 9:33:41
